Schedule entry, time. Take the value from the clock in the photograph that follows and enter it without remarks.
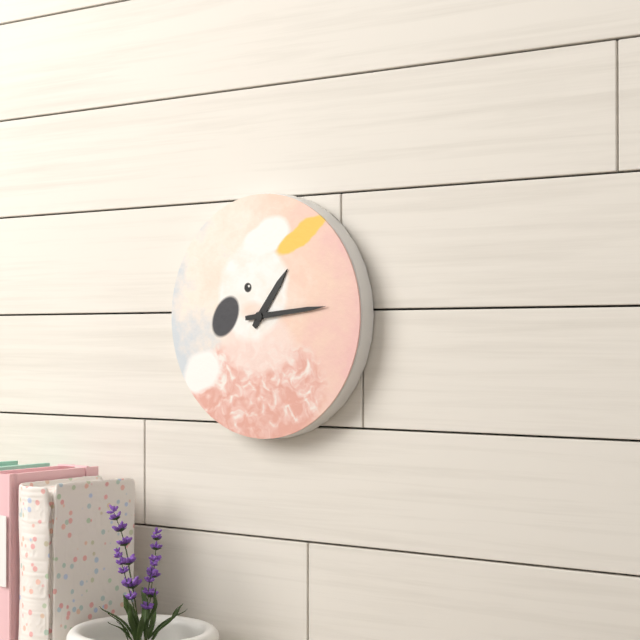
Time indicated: 1:14
